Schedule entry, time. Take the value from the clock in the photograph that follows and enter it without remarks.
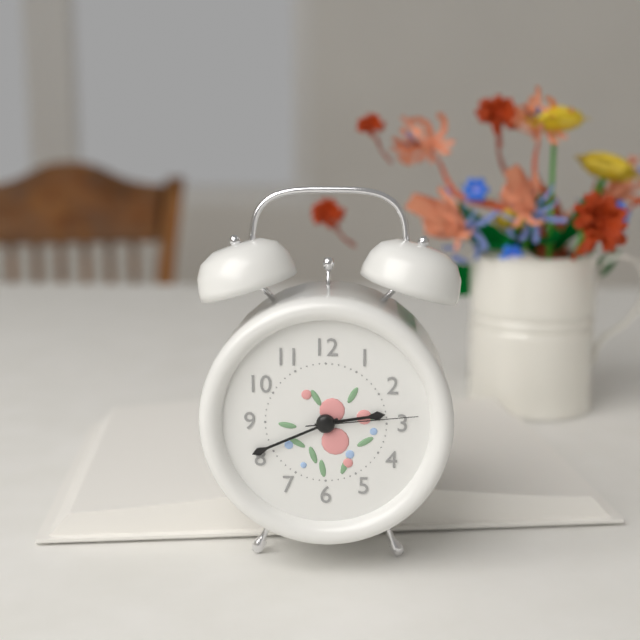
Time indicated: 2:41:14
